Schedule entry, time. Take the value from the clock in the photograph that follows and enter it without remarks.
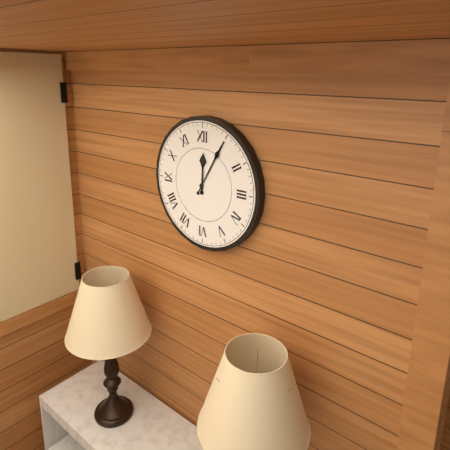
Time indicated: 12:05
